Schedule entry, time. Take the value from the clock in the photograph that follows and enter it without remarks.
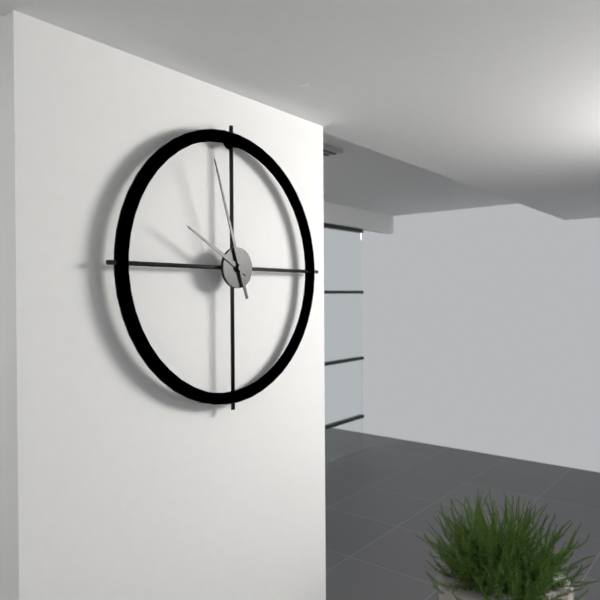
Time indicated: 9:57
